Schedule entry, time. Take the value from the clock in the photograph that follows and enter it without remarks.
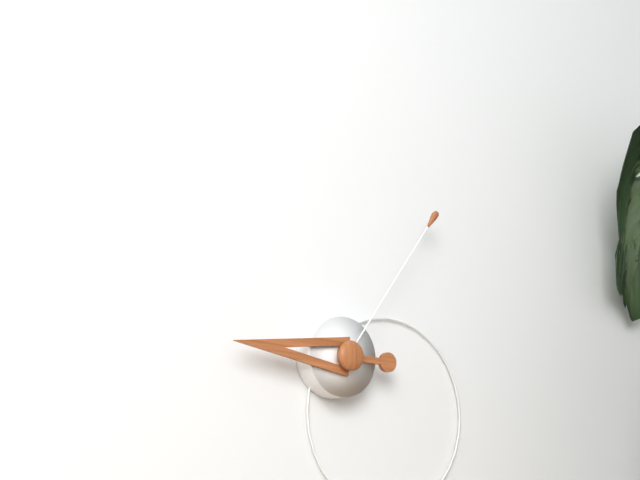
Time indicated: 9:06
